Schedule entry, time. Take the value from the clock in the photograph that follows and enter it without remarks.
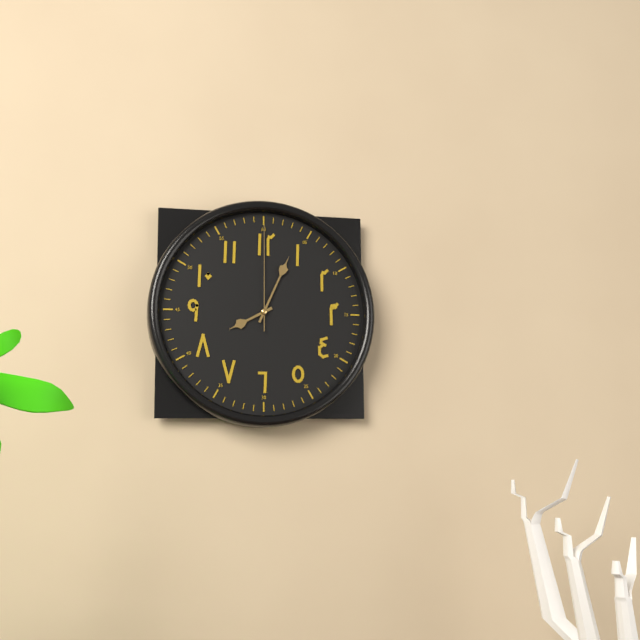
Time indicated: 8:04:00
